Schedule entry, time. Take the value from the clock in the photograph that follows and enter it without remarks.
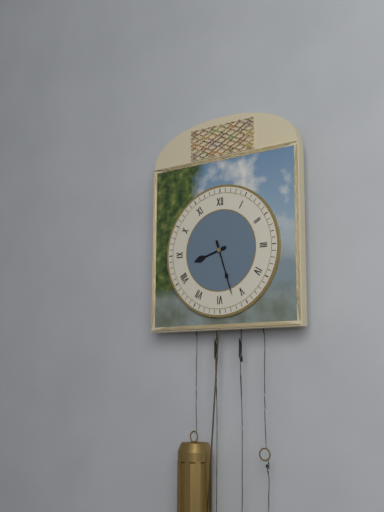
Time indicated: 8:27
